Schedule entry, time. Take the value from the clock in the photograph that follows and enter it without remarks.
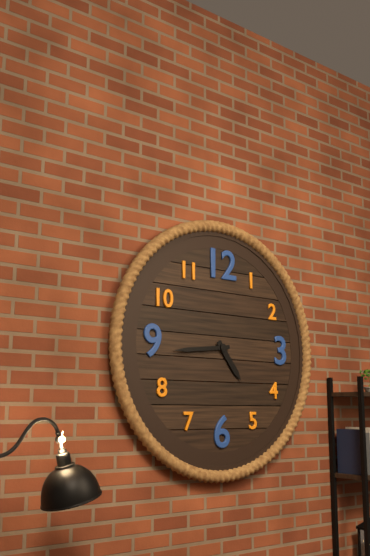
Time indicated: 4:44
